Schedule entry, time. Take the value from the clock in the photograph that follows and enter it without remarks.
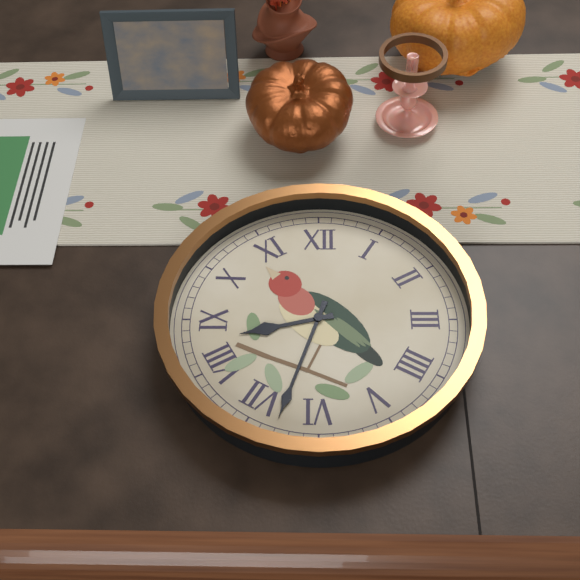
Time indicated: 8:33
